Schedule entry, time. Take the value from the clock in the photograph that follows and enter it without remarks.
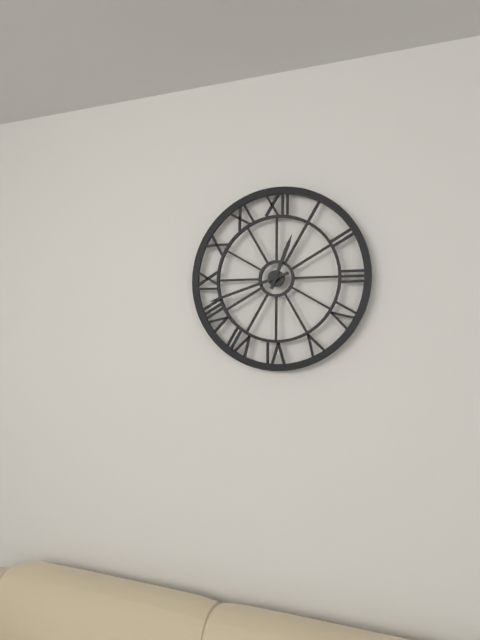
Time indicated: 12:42
